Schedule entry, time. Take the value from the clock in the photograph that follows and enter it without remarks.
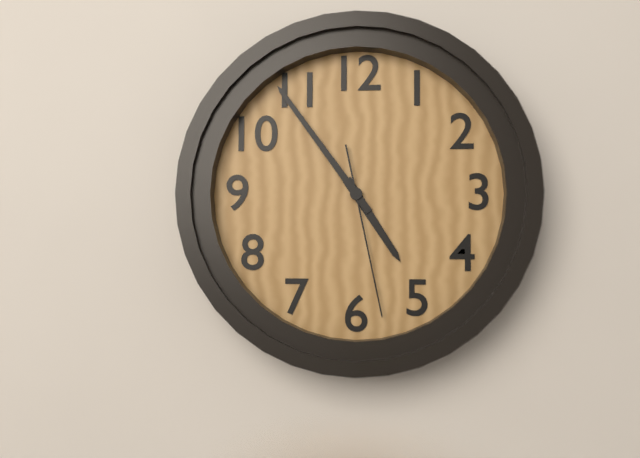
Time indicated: 4:54:28
